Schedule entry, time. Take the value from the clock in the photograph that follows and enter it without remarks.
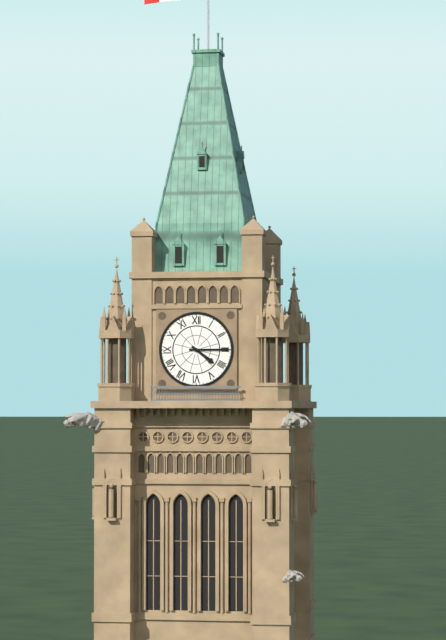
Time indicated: 4:15
